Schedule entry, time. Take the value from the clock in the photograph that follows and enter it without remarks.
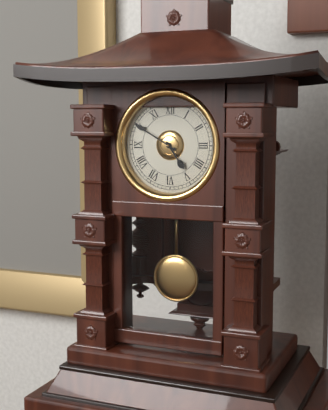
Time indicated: 4:50
